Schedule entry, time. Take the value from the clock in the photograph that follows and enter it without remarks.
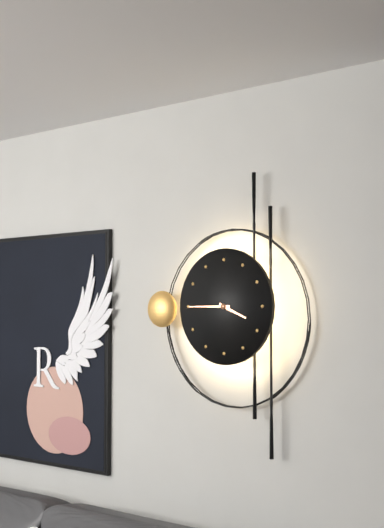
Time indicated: 3:45
